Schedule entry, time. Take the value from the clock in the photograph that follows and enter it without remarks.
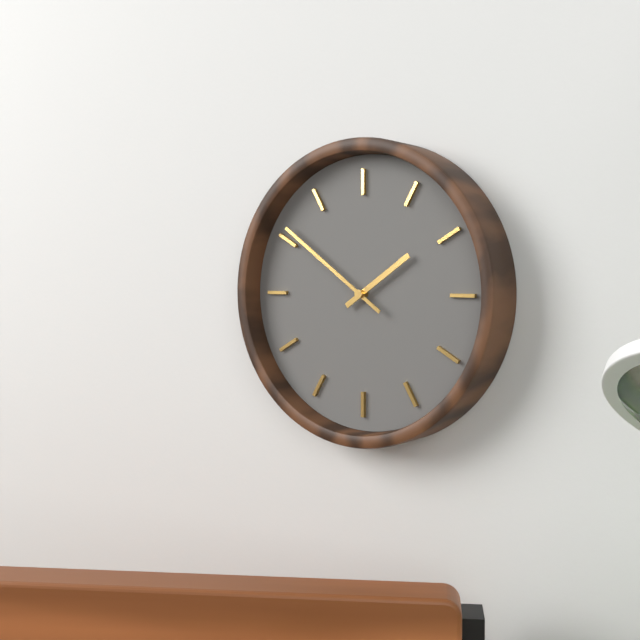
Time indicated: 1:51
